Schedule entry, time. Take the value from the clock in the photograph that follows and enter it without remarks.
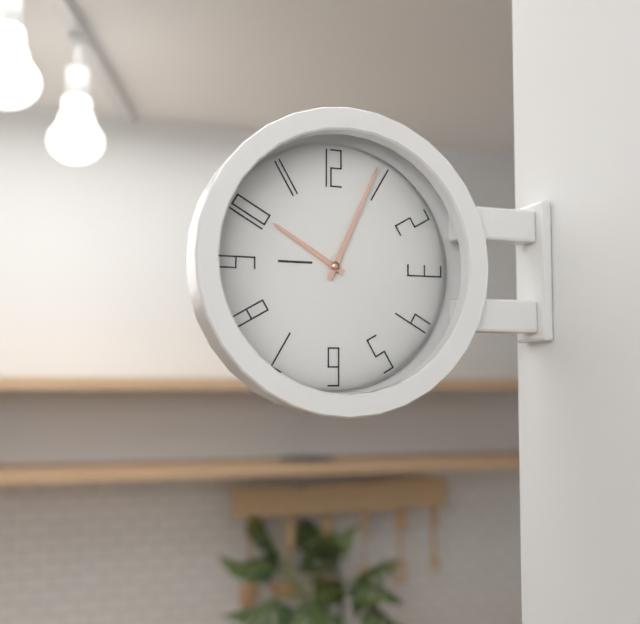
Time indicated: 10:04
